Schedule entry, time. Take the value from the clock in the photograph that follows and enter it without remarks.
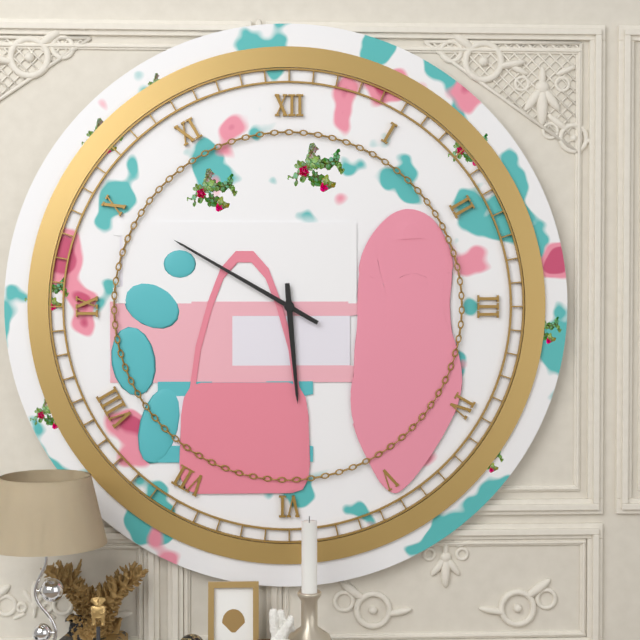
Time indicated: 5:50
